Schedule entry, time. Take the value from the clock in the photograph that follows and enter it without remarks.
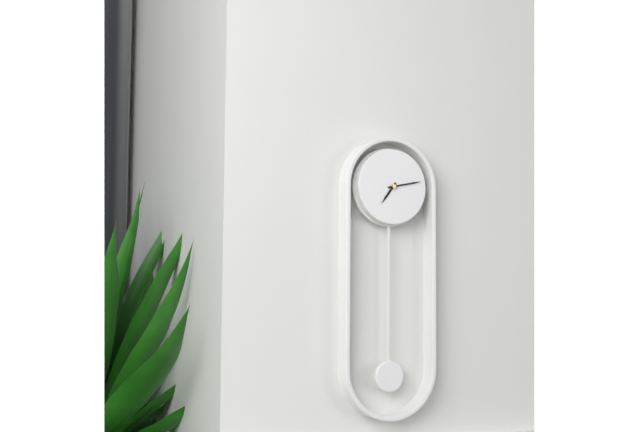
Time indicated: 7:13
